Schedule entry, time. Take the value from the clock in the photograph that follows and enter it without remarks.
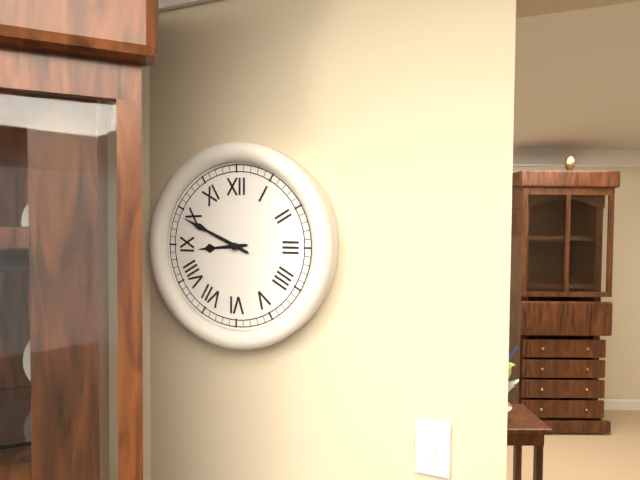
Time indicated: 8:49
